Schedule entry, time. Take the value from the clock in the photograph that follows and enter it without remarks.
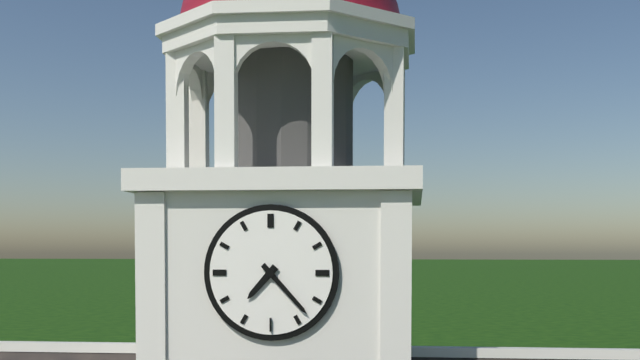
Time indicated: 7:23
